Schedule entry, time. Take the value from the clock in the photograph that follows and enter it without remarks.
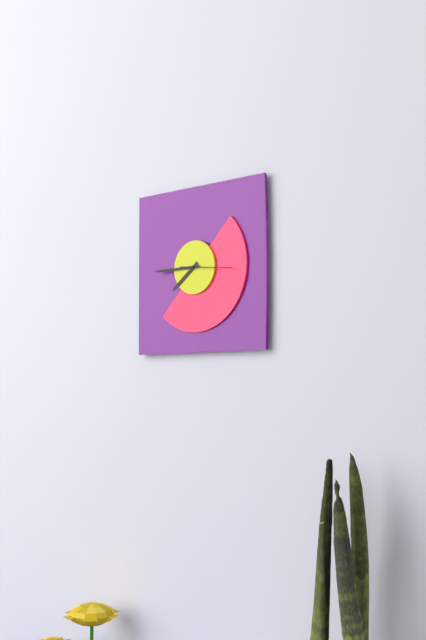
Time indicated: 7:45
